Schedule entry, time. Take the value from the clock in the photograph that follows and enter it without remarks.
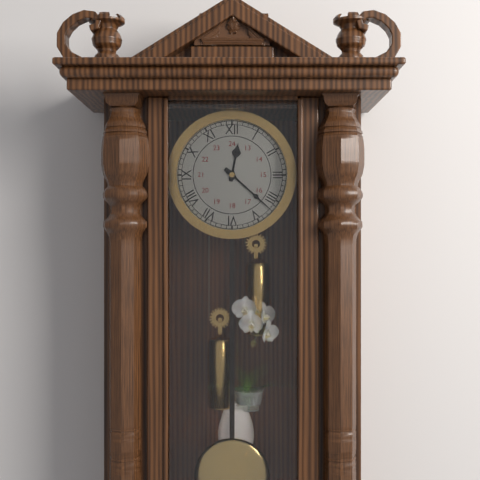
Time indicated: 12:22
